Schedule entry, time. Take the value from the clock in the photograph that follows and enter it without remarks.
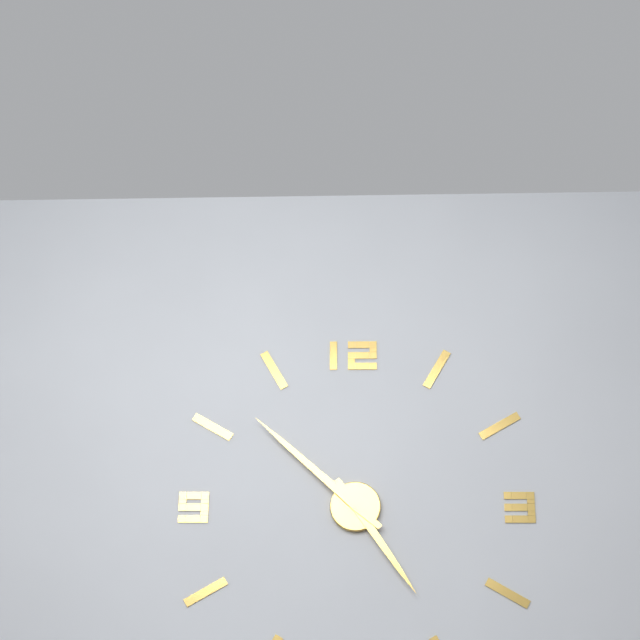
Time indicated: 4:52
